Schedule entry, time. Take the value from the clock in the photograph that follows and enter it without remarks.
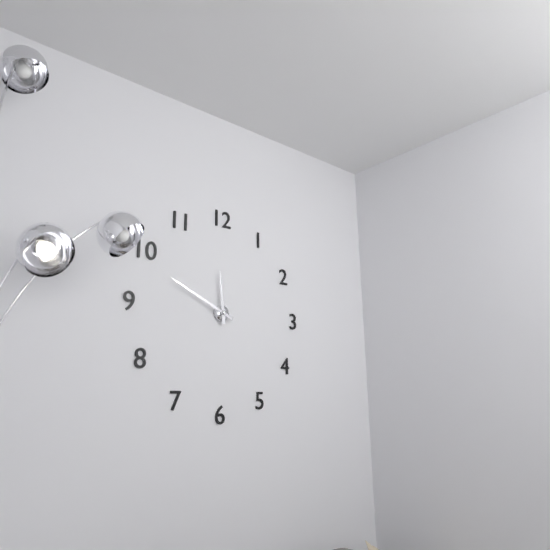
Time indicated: 11:49
